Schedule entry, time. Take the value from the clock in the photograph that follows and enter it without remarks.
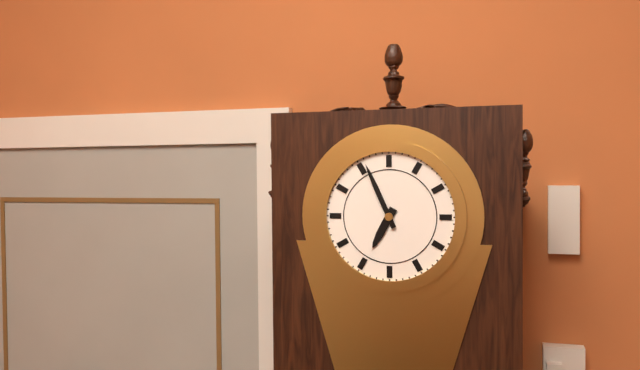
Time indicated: 6:56
